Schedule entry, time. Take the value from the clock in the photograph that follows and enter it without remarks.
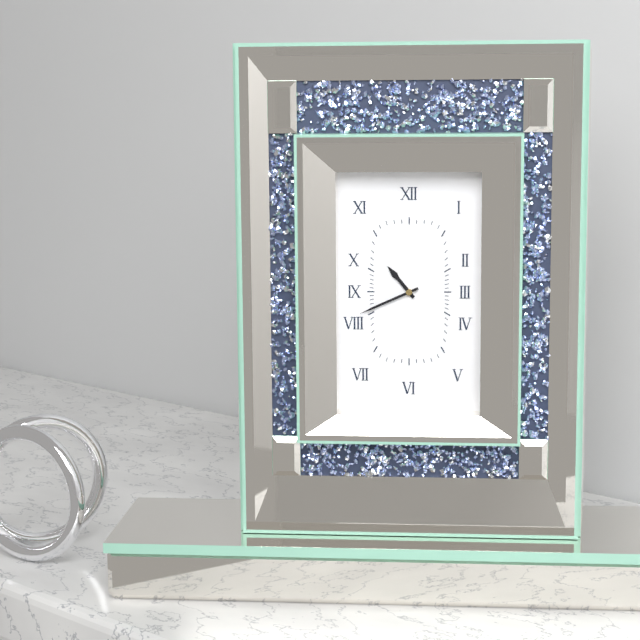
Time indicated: 10:41
